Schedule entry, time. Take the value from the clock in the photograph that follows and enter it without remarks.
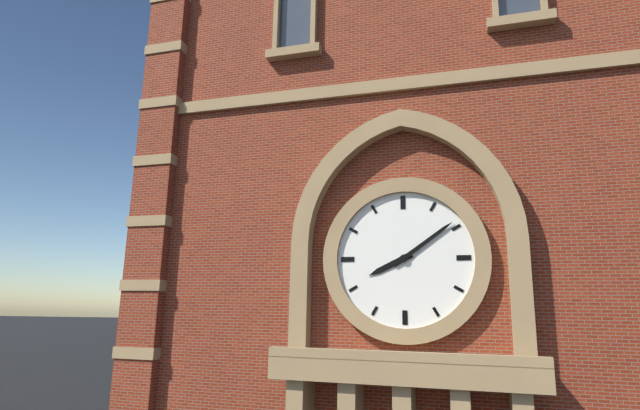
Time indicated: 8:09
